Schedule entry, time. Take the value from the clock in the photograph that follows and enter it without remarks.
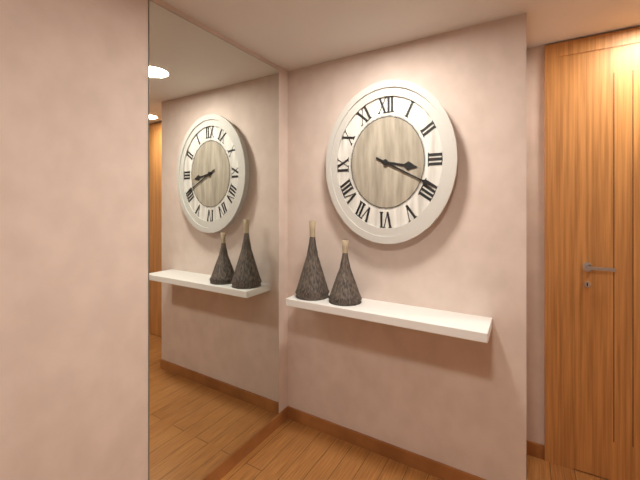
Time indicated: 3:19
